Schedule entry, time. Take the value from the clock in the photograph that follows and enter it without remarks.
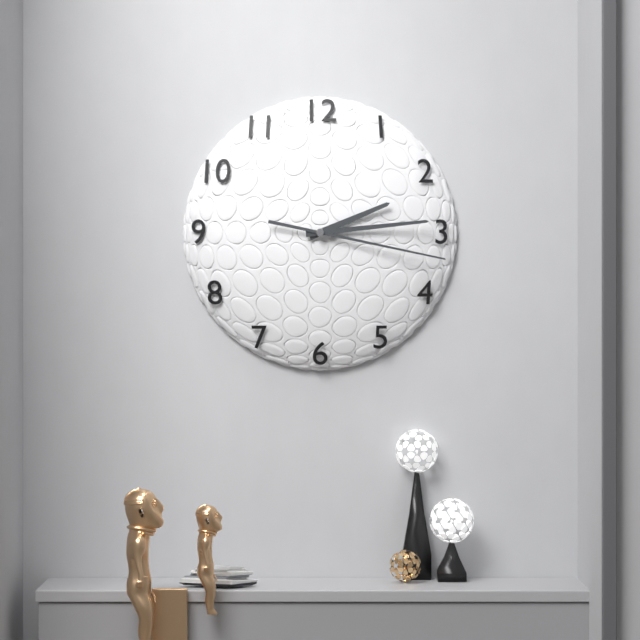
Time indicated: 2:14:17
